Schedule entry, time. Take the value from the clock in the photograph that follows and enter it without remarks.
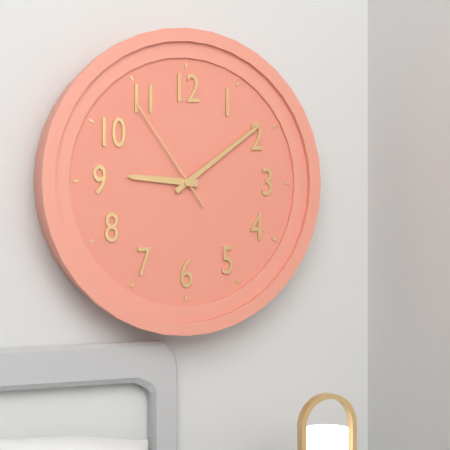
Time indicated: 9:09:54
